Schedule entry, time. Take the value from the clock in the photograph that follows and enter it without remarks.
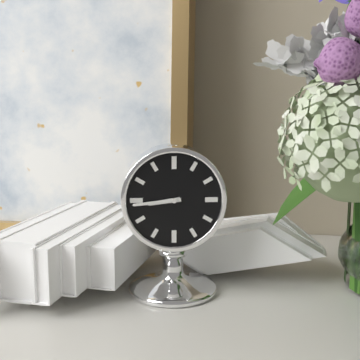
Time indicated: 8:44
